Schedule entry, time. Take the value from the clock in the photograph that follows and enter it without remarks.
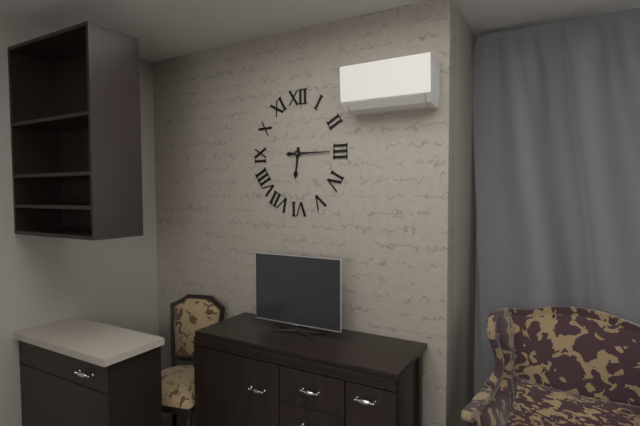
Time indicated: 6:15
